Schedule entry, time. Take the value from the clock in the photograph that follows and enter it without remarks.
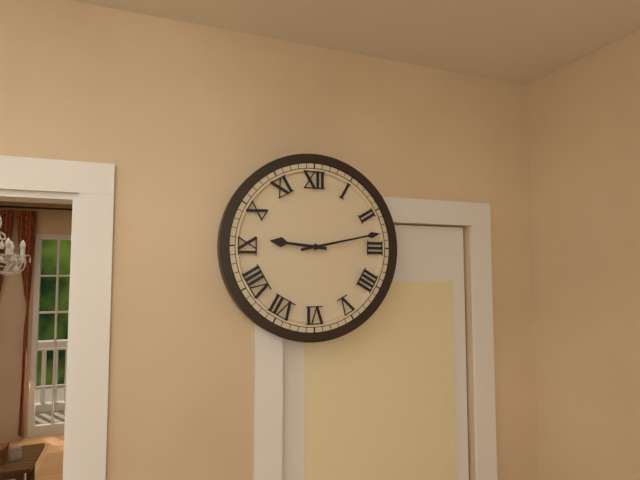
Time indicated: 9:13
